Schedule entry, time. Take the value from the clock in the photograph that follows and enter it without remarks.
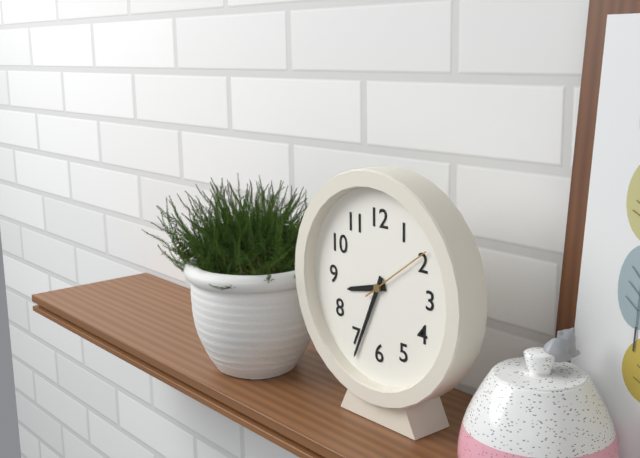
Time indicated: 8:34:09
